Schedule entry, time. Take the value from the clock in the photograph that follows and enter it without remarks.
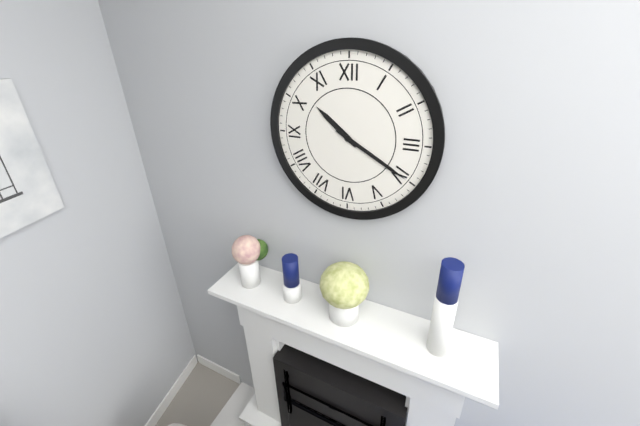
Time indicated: 10:20
